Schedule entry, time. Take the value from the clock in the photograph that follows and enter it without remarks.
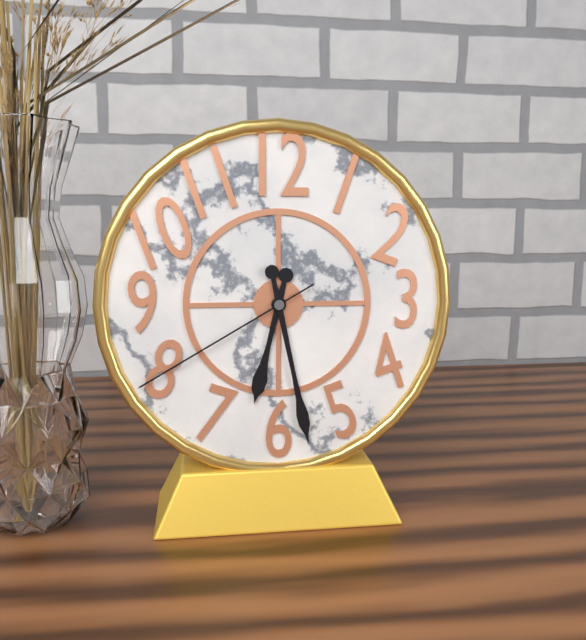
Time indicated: 6:28:40
